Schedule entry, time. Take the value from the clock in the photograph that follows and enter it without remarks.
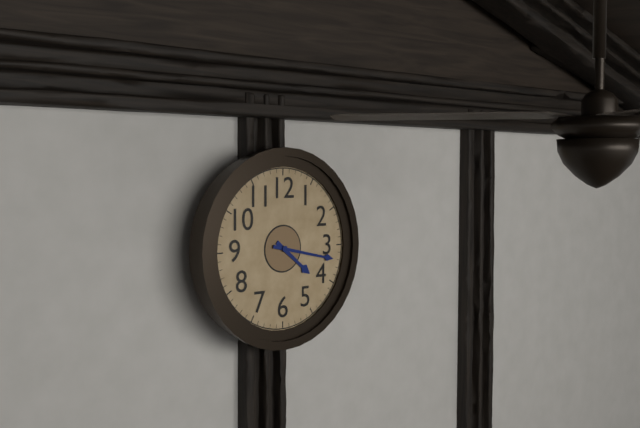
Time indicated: 4:17
